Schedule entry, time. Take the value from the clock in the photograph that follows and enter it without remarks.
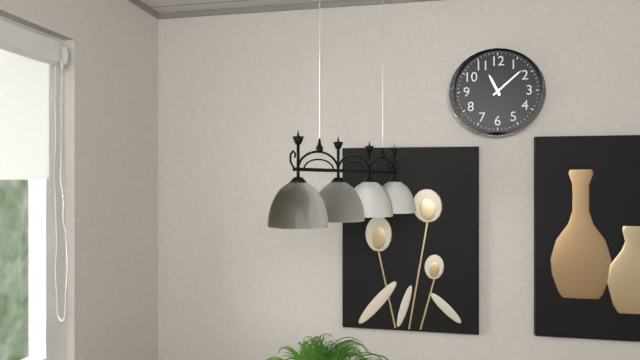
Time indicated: 11:08
